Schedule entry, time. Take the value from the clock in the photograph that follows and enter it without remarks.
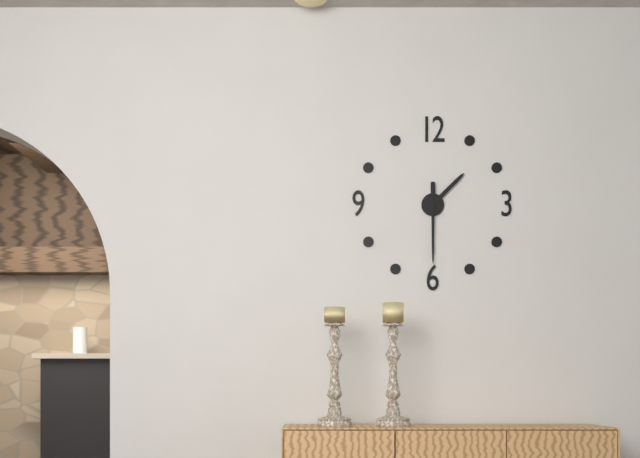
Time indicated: 1:30
